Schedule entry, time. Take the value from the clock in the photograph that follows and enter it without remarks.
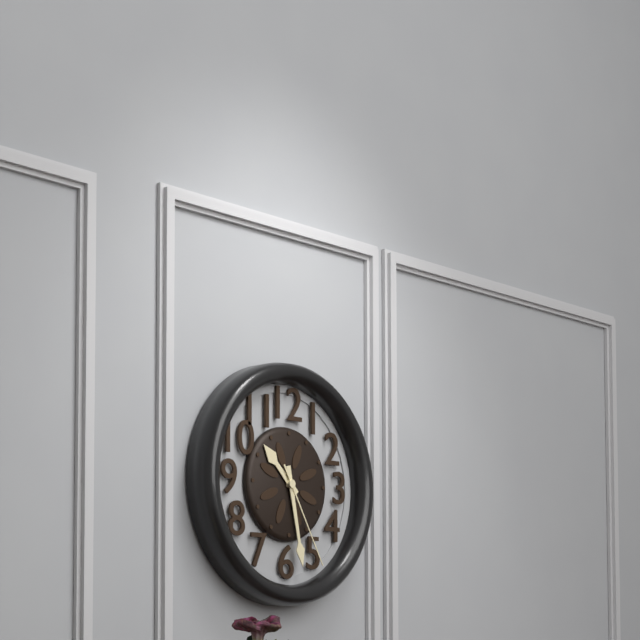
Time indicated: 10:28:25
